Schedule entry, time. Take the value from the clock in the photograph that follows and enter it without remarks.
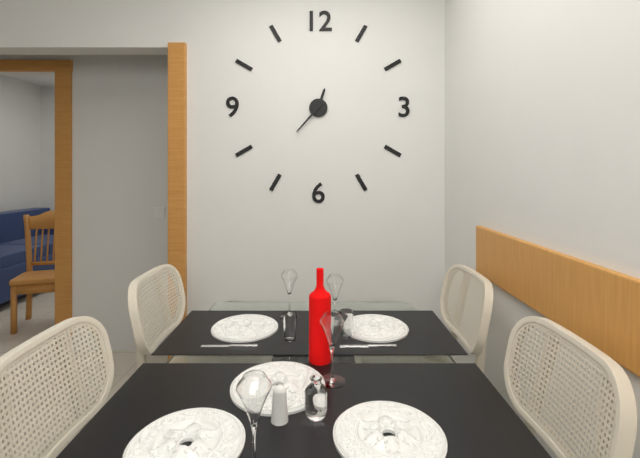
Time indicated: 12:37
